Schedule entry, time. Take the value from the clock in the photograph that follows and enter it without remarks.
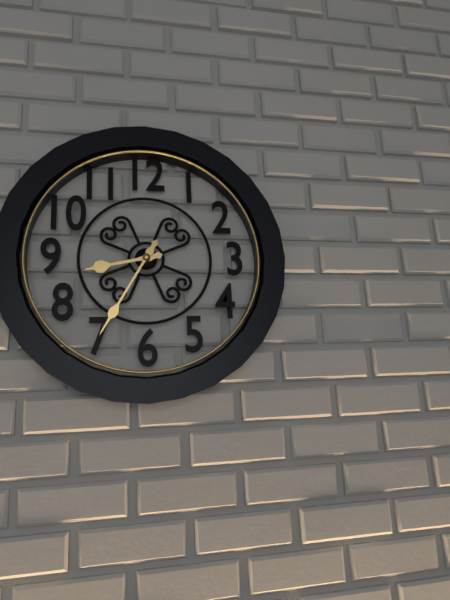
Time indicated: 8:35
